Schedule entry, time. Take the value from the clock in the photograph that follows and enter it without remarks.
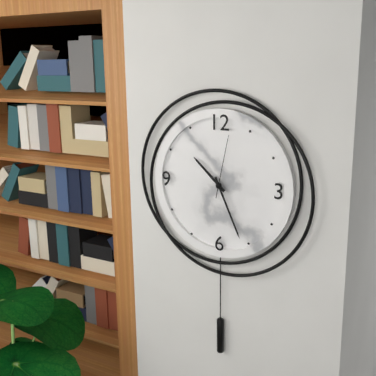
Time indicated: 10:26:02
